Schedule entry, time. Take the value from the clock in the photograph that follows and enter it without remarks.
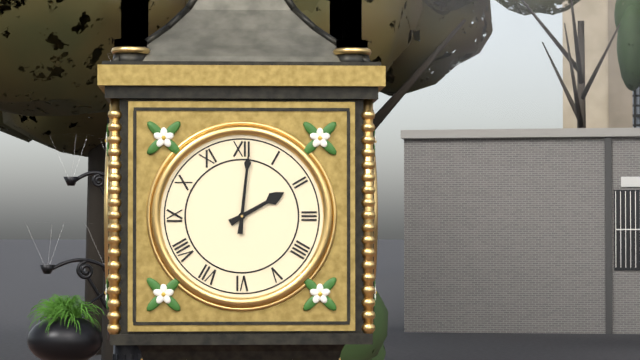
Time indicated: 2:01
